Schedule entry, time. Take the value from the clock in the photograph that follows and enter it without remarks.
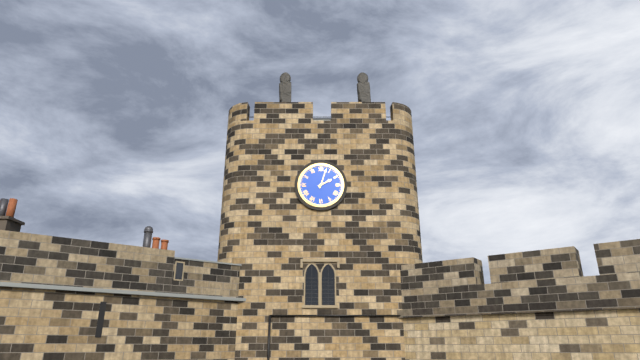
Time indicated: 2:03
